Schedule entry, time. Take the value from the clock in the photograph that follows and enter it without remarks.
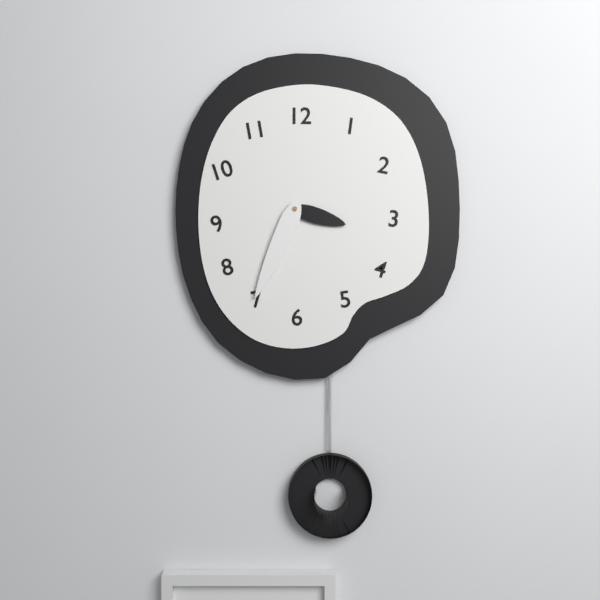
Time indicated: 3:34
